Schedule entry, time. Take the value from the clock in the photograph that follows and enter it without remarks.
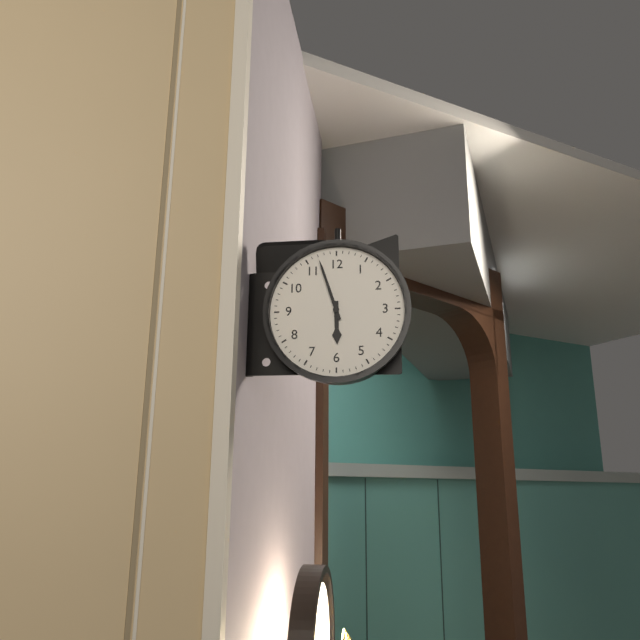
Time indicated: 5:57
